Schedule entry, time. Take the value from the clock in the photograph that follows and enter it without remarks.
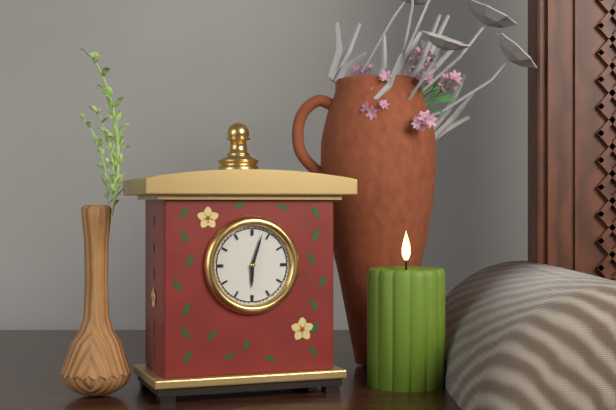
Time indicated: 6:03
